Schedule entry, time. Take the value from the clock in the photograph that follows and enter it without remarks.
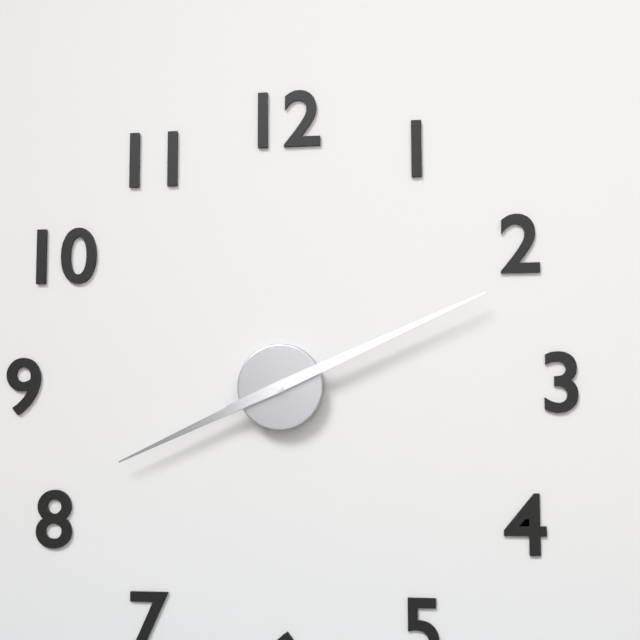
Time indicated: 8:11
